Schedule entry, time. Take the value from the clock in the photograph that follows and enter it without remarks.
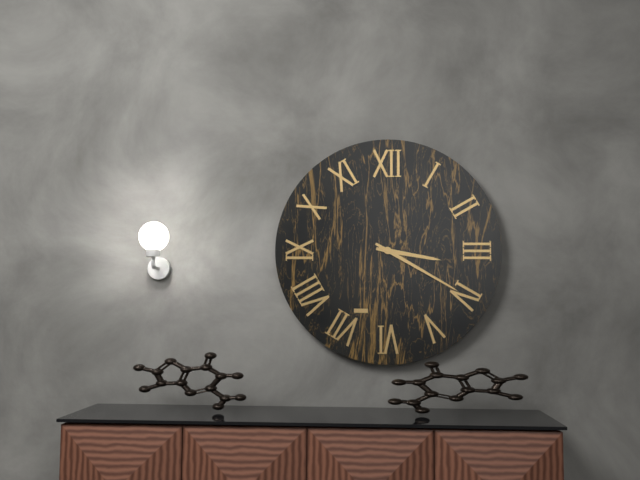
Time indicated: 3:20
